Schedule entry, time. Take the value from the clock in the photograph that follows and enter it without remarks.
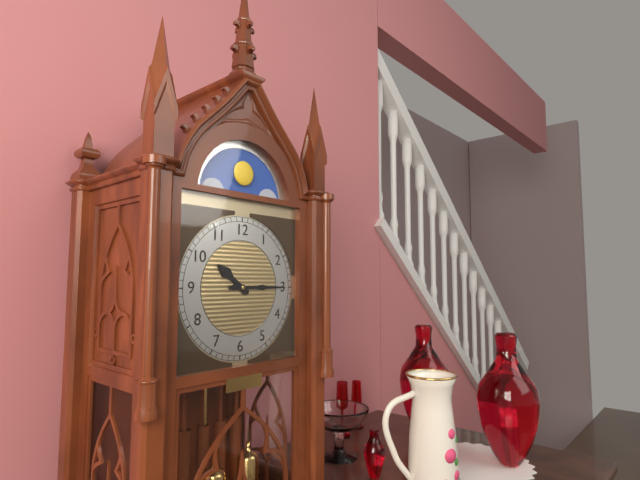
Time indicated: 10:15
